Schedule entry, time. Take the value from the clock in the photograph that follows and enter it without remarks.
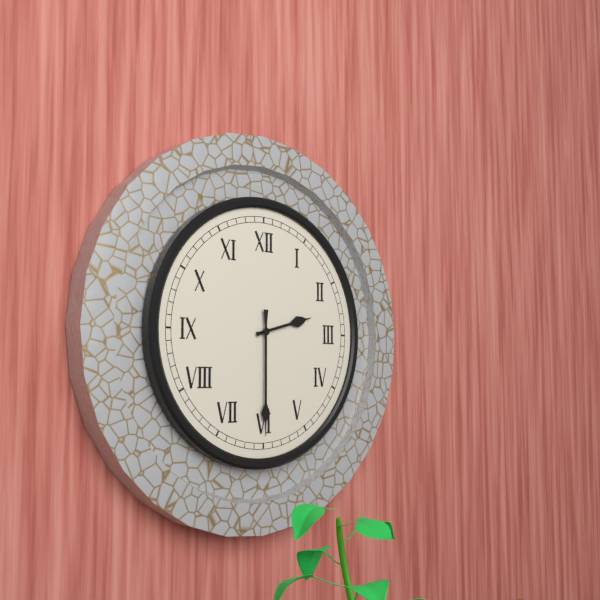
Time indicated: 2:30
